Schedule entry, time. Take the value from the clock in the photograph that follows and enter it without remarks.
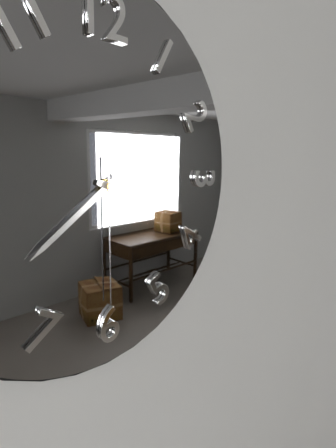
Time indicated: 3:39:30
